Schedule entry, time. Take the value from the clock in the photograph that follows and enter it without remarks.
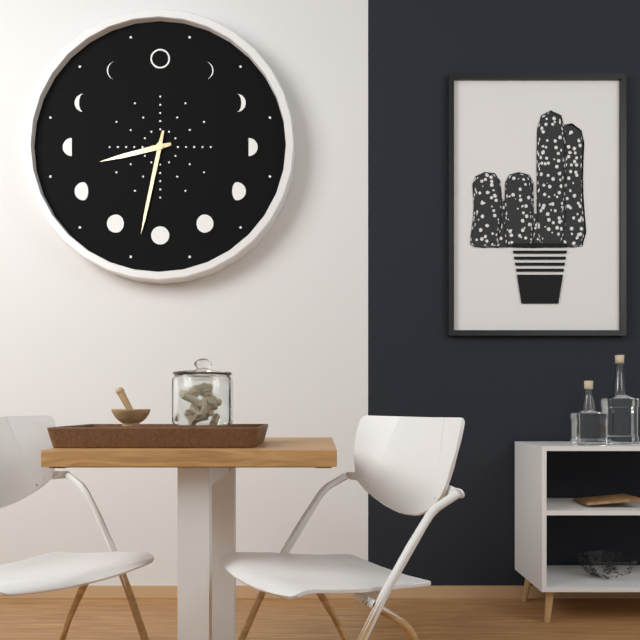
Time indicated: 8:32
